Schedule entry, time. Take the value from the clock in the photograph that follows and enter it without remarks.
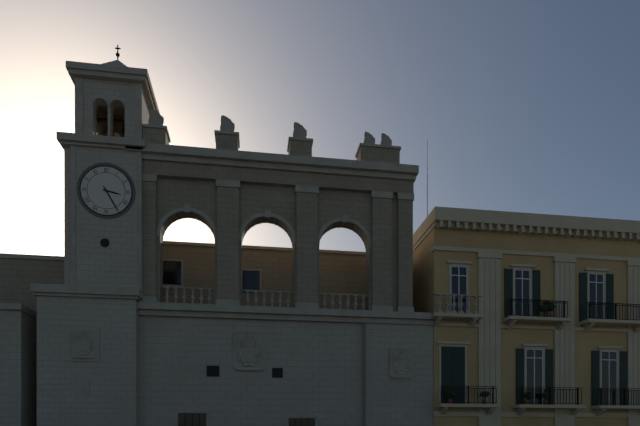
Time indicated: 3:25
